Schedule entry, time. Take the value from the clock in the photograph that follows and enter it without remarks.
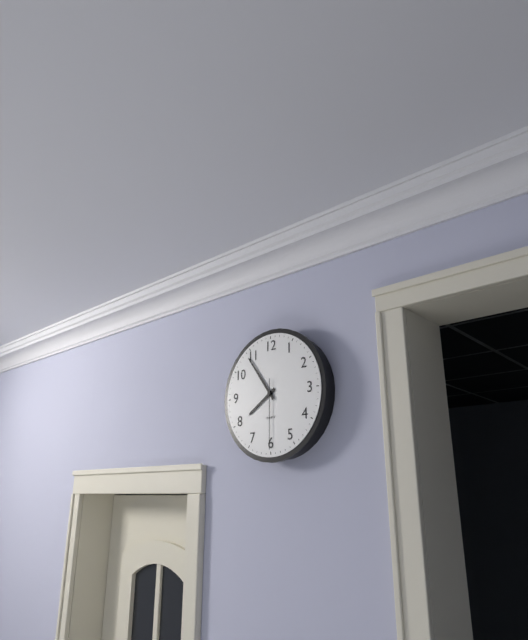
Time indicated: 7:54:30
